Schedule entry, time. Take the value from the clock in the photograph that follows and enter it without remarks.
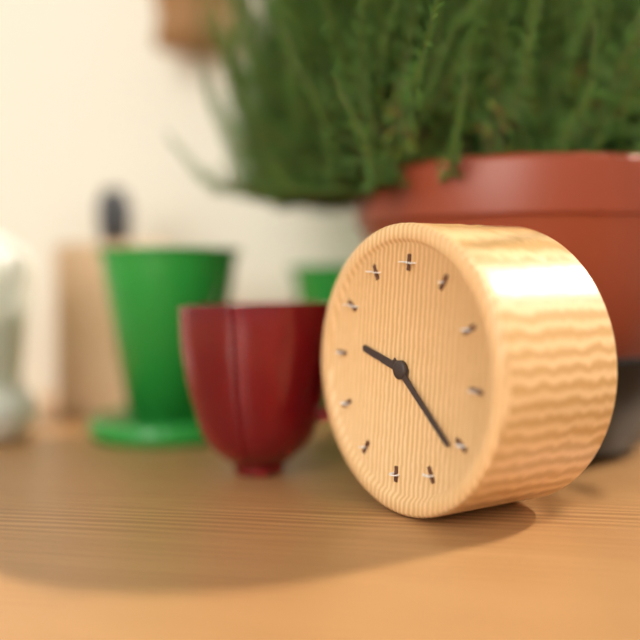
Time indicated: 9:21
